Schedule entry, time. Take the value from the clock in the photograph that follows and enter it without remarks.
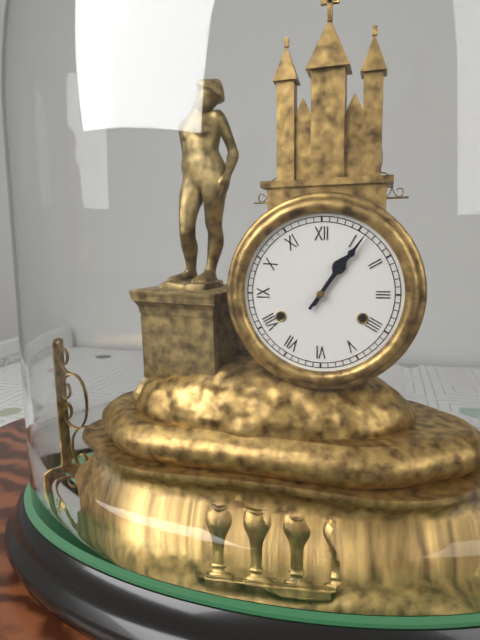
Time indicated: 1:06
